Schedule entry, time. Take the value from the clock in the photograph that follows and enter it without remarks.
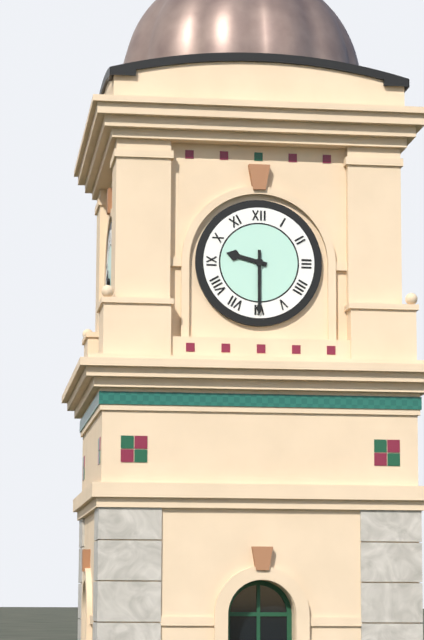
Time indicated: 9:30
